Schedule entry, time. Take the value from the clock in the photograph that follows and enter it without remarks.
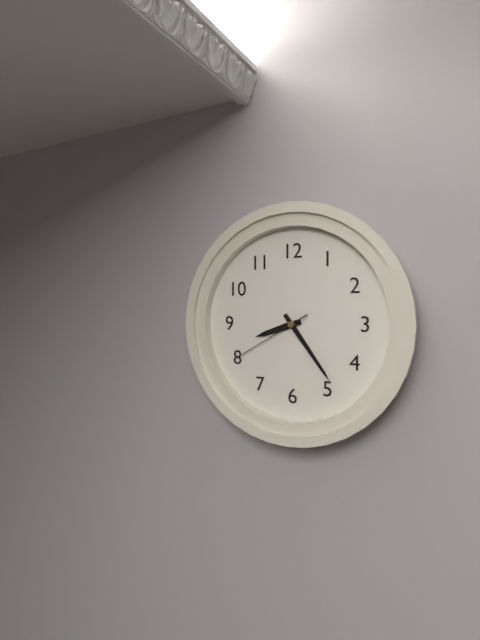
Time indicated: 8:24:40
